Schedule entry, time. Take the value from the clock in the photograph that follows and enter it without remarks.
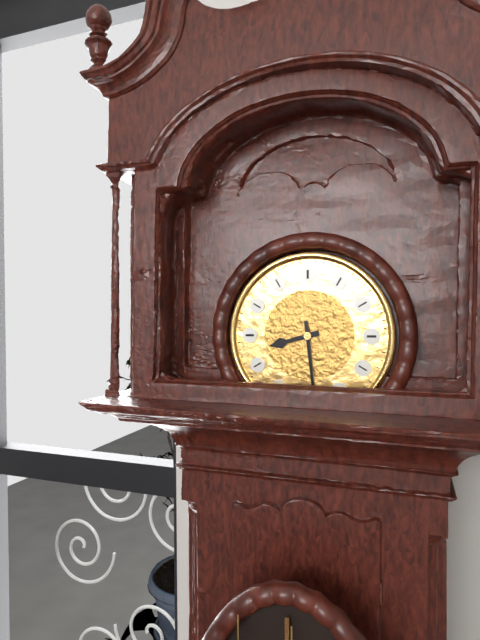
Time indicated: 8:29
